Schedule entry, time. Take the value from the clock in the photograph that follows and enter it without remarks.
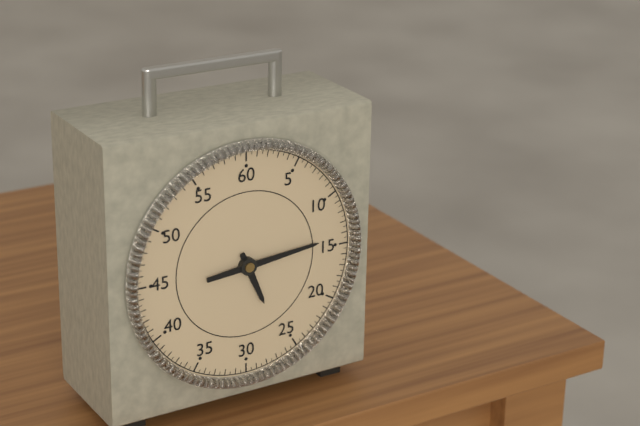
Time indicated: 5:14
